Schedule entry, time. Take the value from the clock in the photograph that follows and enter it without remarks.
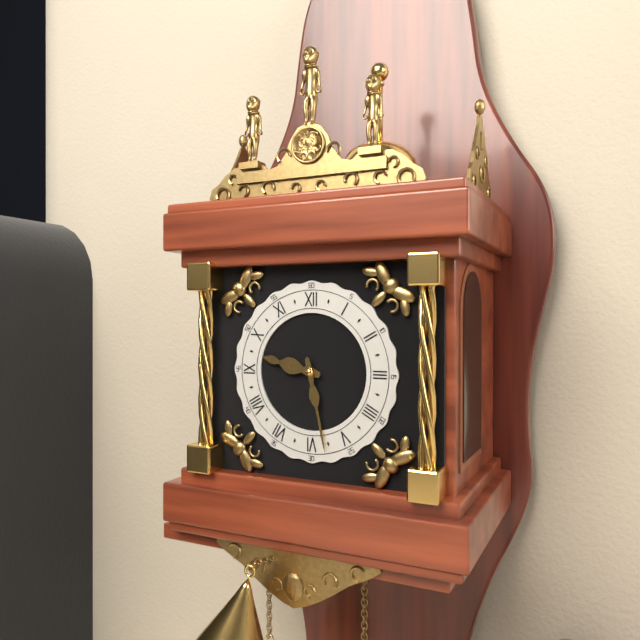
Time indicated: 9:28
